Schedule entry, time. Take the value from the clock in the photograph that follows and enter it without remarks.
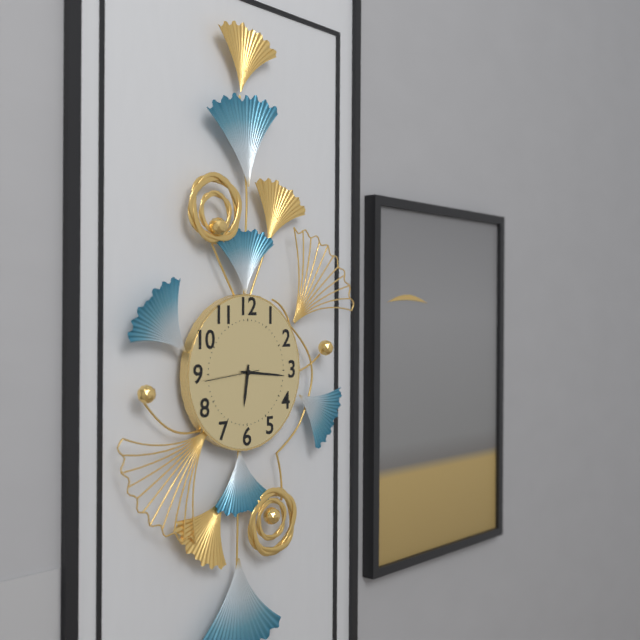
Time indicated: 6:16
